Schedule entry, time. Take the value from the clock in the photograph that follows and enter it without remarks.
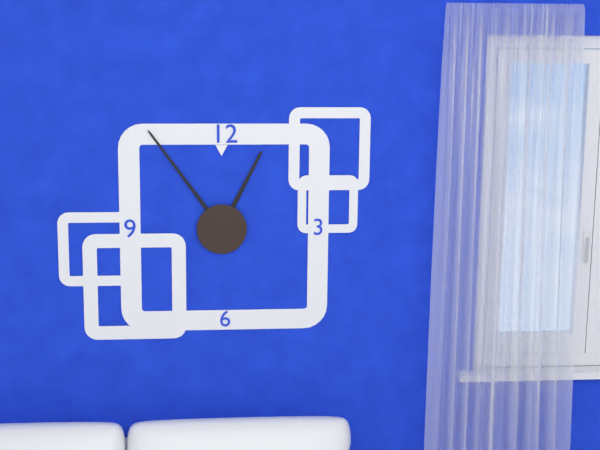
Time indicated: 12:54
